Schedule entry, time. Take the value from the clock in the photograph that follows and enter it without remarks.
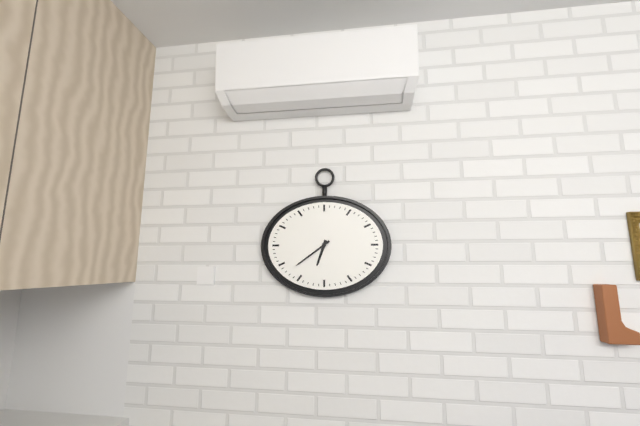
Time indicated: 6:39
